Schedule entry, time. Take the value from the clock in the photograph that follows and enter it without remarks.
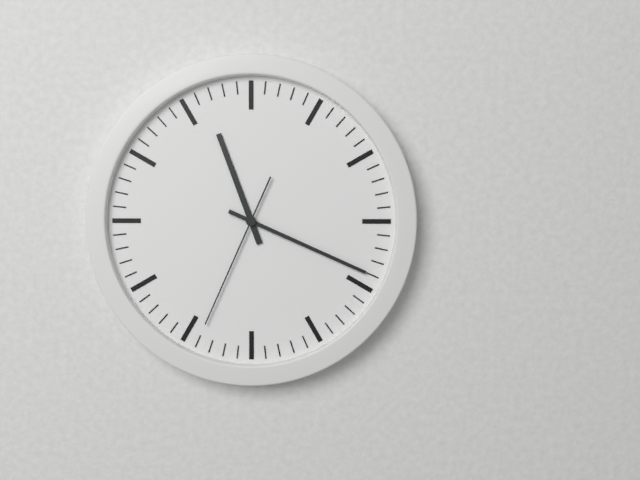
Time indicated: 11:19:34
